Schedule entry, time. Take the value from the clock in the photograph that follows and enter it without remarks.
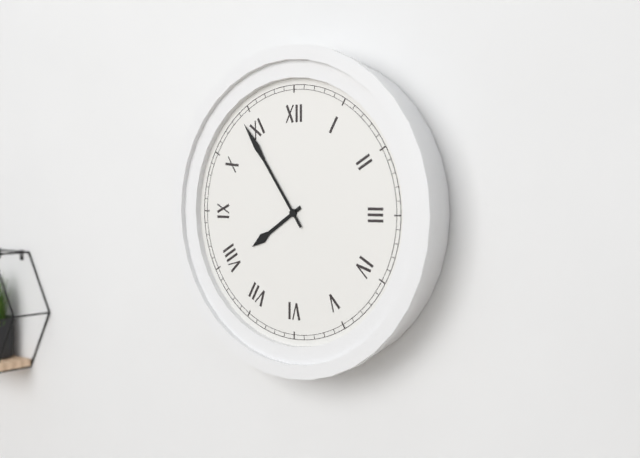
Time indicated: 7:54
